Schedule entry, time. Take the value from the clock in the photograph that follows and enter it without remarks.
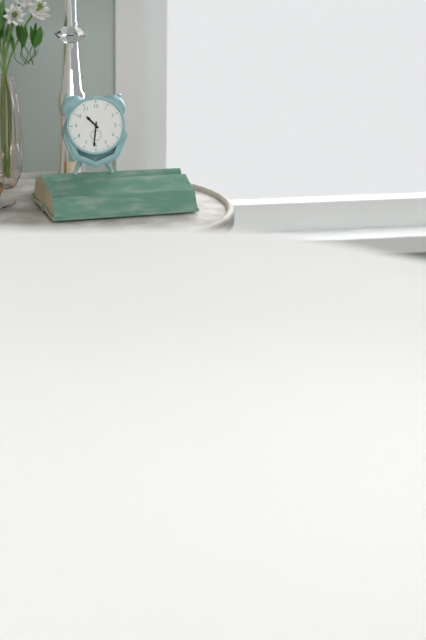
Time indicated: 10:31
